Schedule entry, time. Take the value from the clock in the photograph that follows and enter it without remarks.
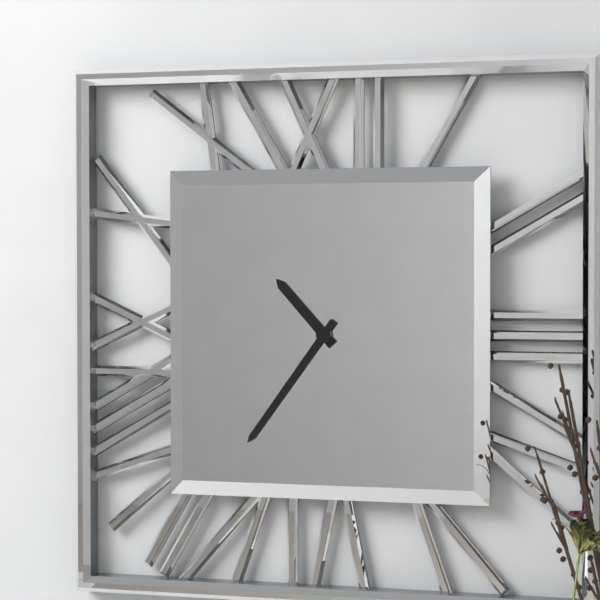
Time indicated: 10:36
